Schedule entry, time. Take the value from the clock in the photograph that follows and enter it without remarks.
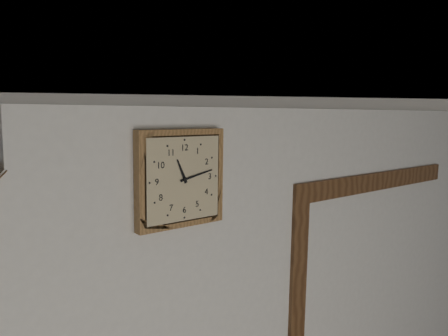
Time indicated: 11:13
